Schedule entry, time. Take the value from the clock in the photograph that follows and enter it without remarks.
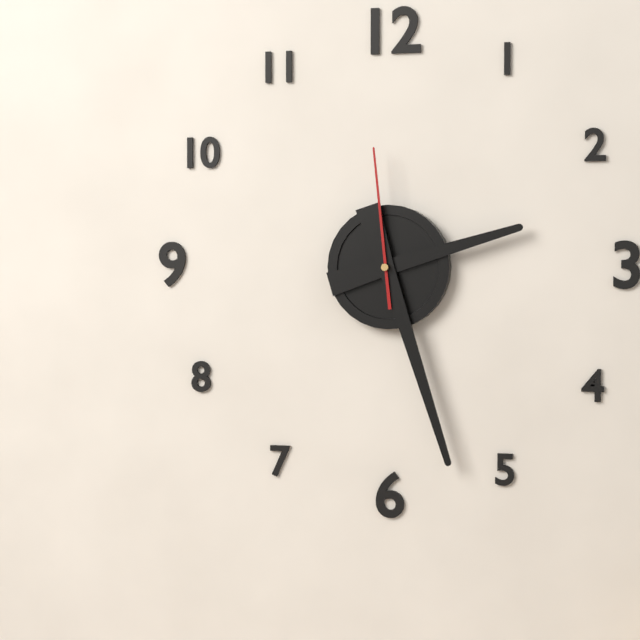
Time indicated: 2:27:59
